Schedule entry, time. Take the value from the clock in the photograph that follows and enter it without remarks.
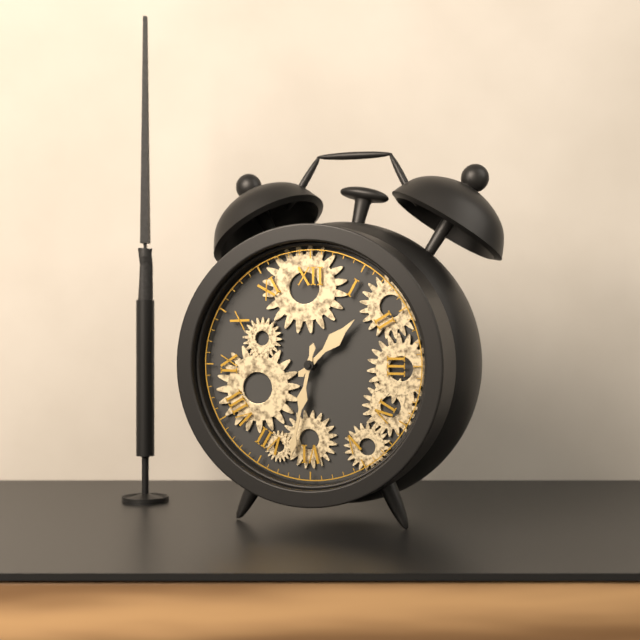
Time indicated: 1:32
